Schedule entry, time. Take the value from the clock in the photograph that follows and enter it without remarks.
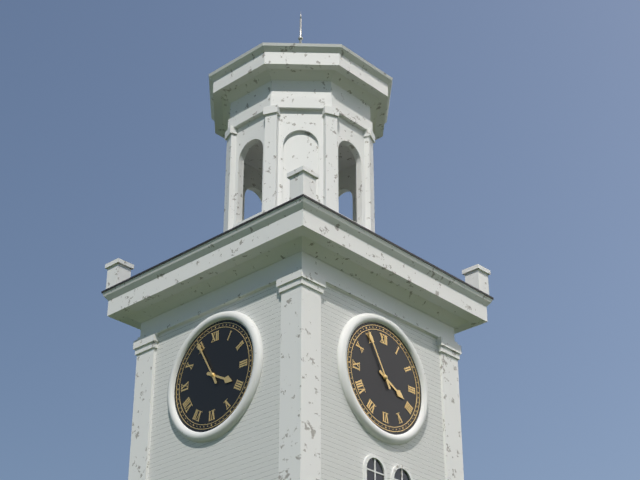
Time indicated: 3:55
